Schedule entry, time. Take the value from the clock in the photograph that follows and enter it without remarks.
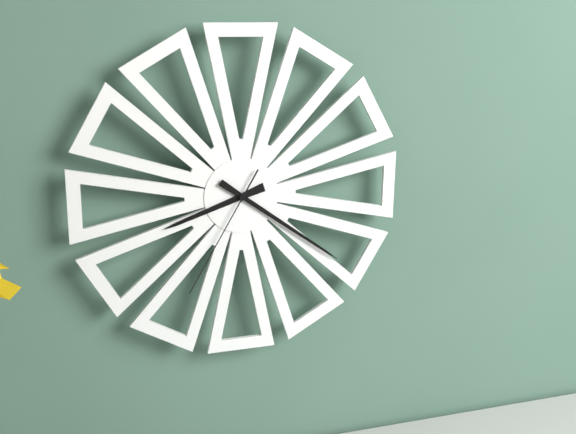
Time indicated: 8:21:35
